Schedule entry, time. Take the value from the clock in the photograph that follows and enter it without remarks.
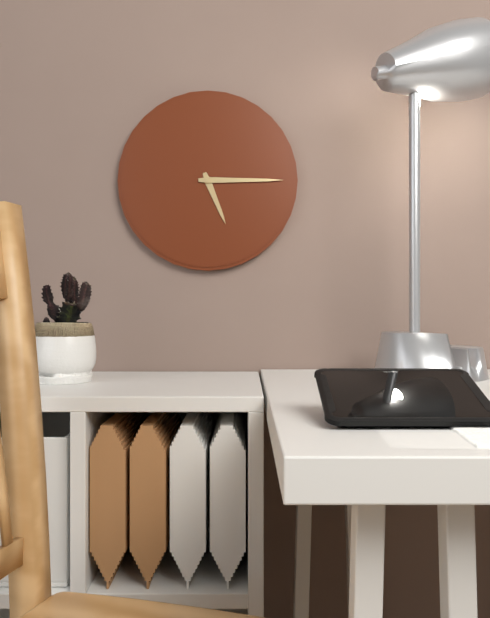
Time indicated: 5:15
